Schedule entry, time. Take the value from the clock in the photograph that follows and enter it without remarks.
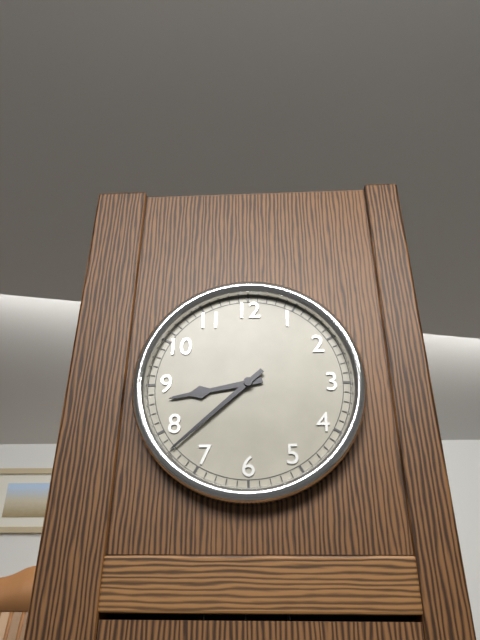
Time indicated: 8:38
